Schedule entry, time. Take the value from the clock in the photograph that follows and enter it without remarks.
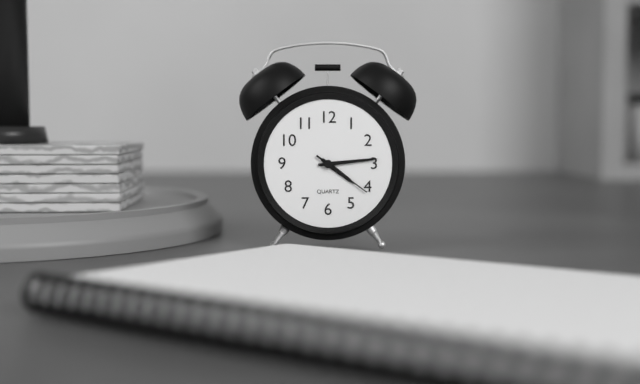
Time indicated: 4:14:21
